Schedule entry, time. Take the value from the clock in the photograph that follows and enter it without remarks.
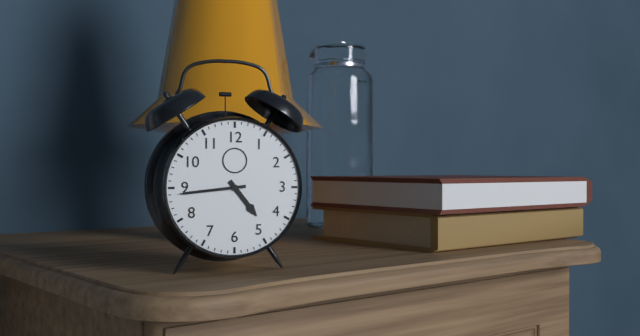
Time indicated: 4:44
